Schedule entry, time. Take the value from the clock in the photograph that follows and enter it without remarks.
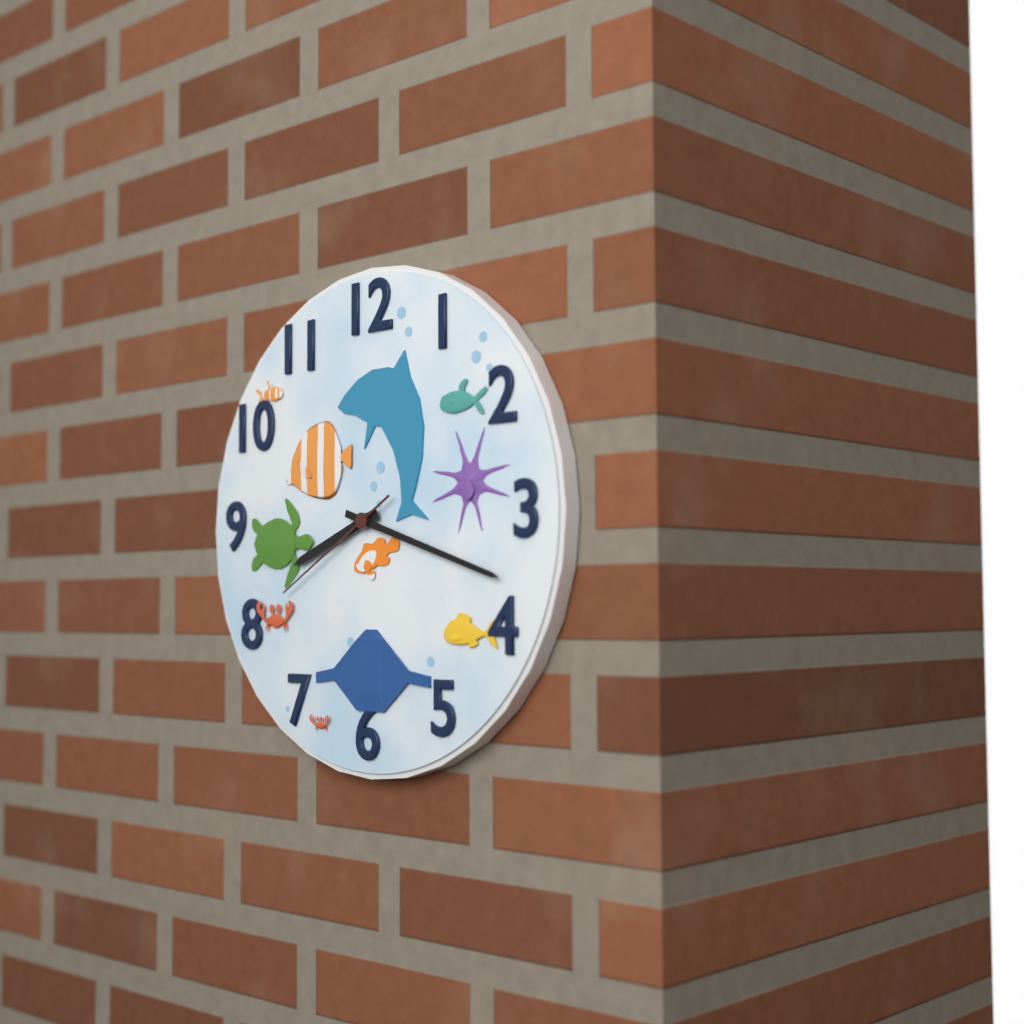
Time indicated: 8:18:40
